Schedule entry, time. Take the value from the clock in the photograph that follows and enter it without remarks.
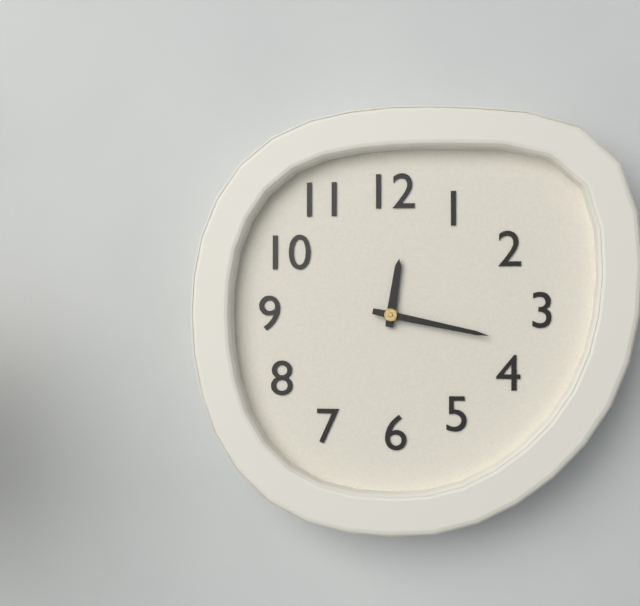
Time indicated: 12:17
